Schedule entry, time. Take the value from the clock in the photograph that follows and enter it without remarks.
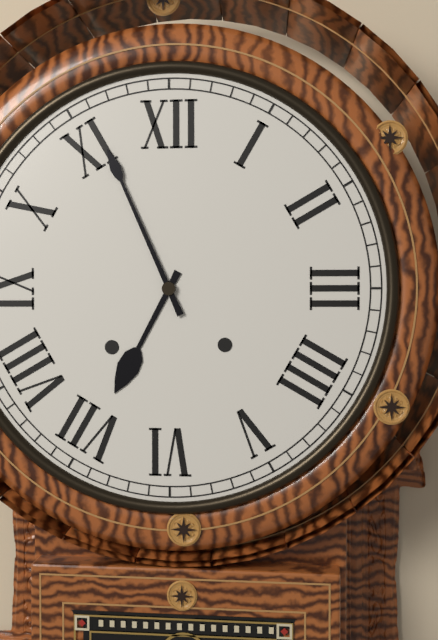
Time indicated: 6:56
